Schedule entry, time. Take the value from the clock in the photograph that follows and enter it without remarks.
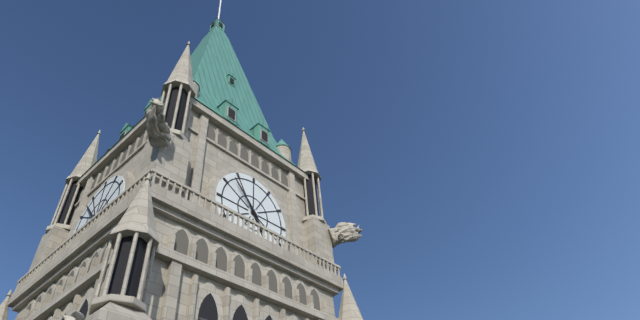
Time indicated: 4:53
